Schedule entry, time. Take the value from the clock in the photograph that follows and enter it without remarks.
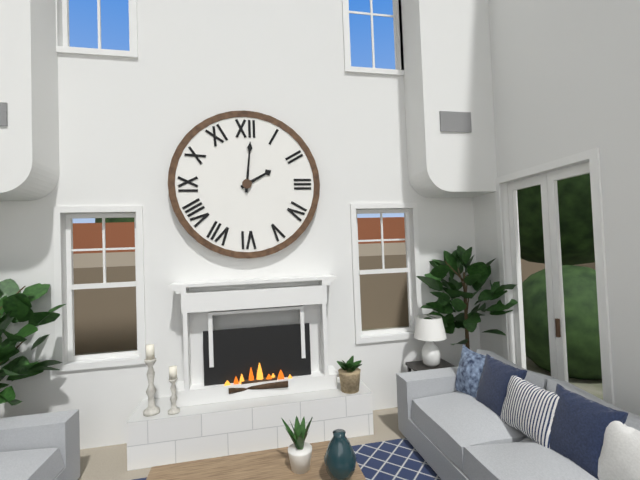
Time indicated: 2:01
